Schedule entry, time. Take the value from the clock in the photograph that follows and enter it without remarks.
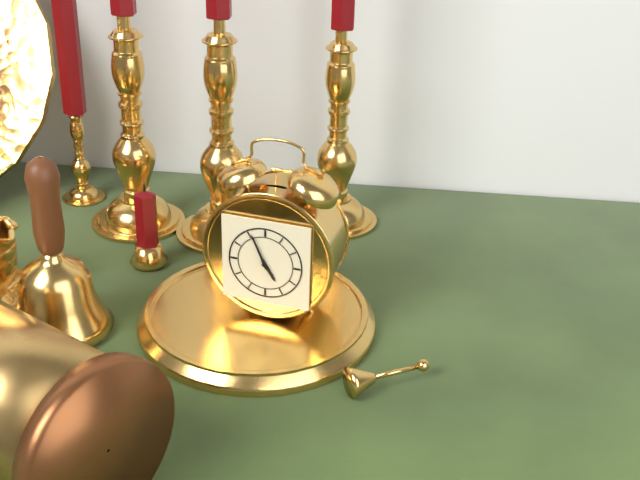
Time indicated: 4:56
